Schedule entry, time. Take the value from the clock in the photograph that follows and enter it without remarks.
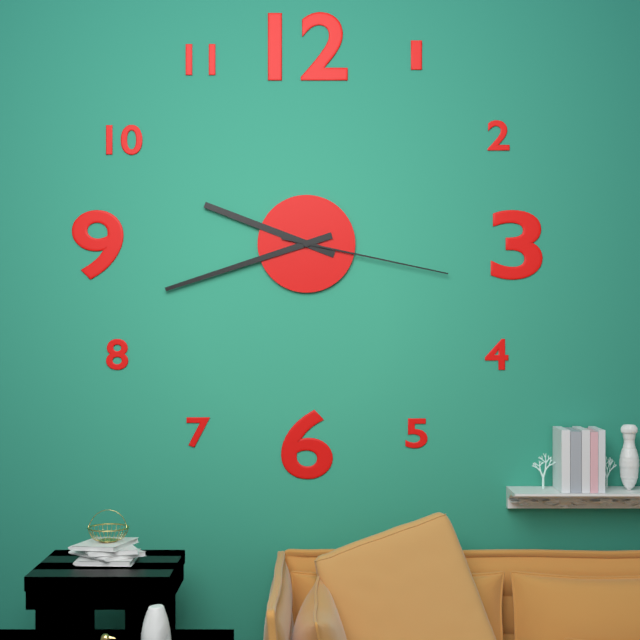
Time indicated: 9:42:17
